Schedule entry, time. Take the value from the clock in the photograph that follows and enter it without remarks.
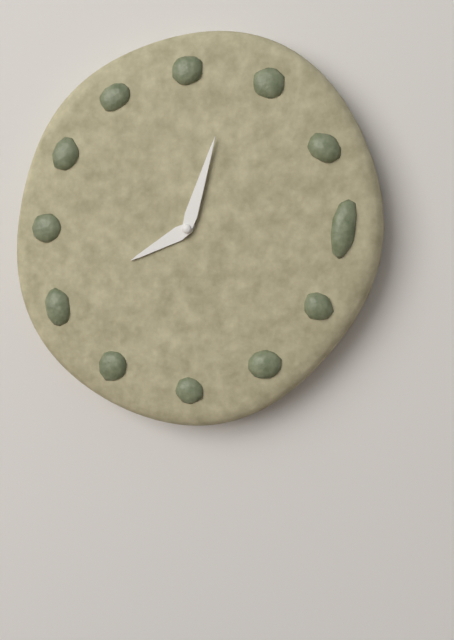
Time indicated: 8:03
